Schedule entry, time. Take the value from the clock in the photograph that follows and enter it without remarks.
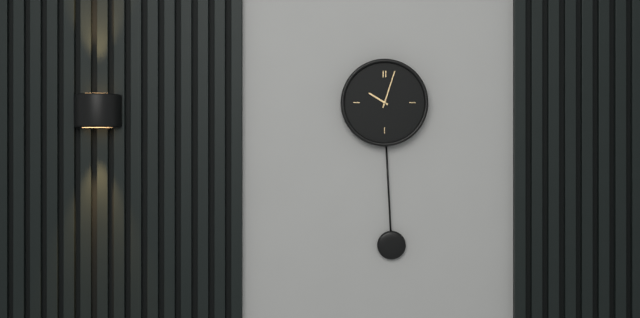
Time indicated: 10:03
